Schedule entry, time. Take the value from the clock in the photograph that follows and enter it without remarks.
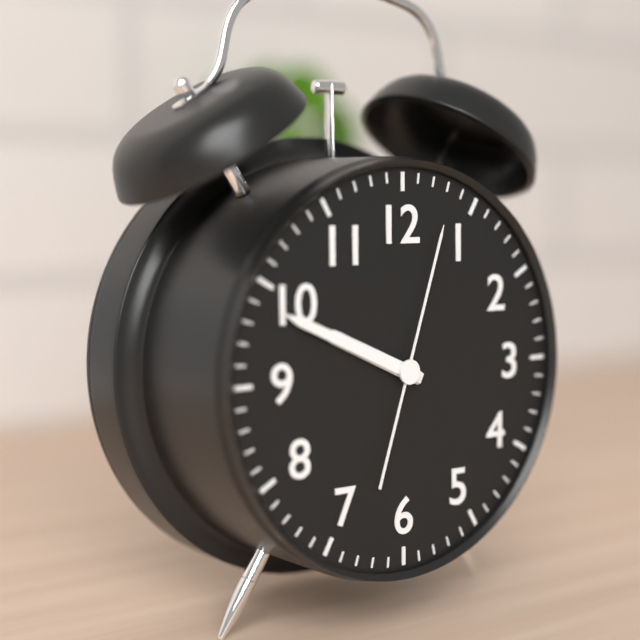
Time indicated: 9:49:03
